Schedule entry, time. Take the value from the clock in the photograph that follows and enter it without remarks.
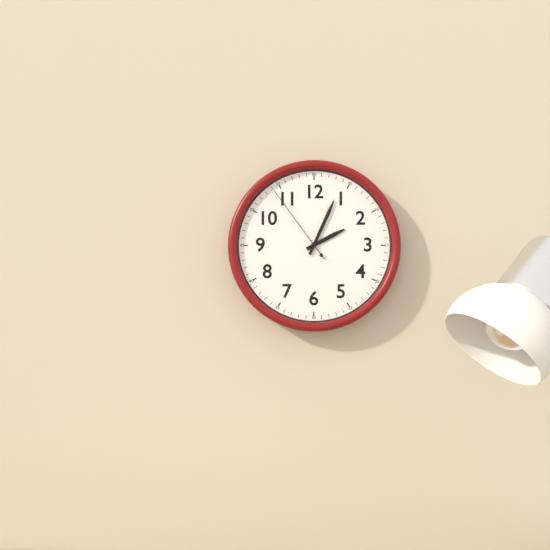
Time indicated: 2:04:54
